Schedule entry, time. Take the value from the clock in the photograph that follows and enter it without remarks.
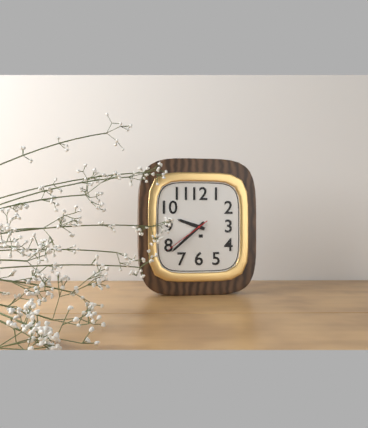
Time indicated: 9:38
